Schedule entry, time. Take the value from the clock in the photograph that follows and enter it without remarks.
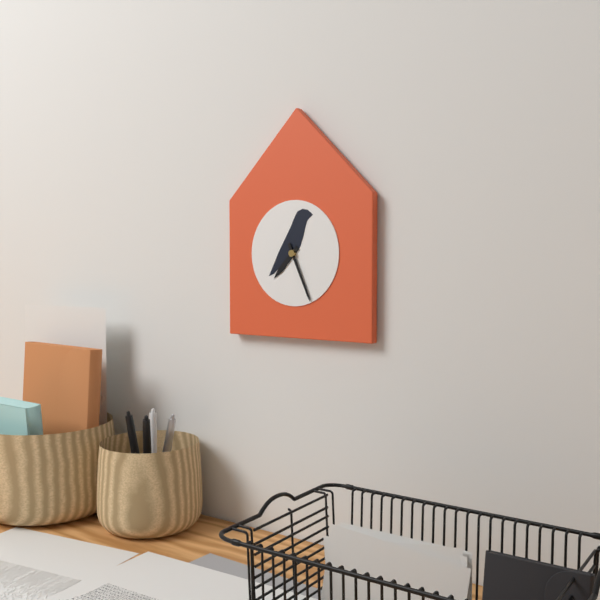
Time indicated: 7:26
